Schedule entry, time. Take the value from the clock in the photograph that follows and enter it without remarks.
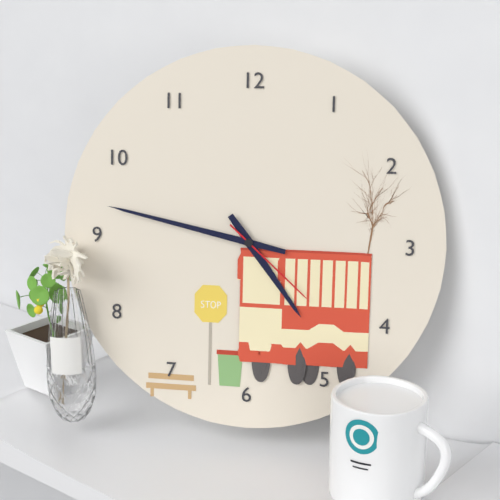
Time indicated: 4:47:22
